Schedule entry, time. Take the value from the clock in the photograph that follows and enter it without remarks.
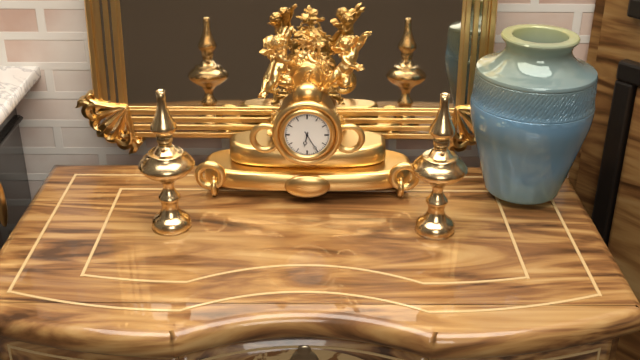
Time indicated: 6:25
